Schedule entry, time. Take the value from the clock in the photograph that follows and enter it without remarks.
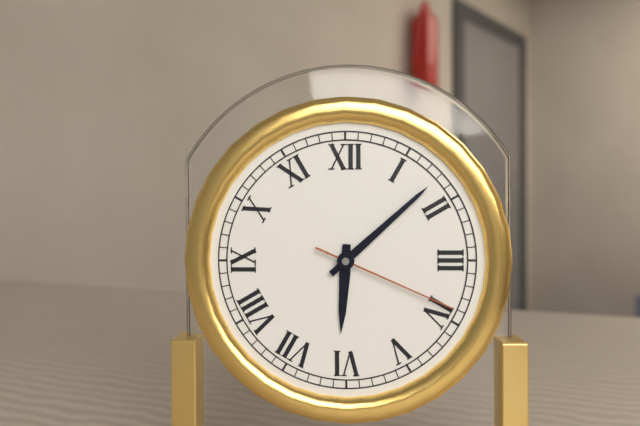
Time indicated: 6:08:19
